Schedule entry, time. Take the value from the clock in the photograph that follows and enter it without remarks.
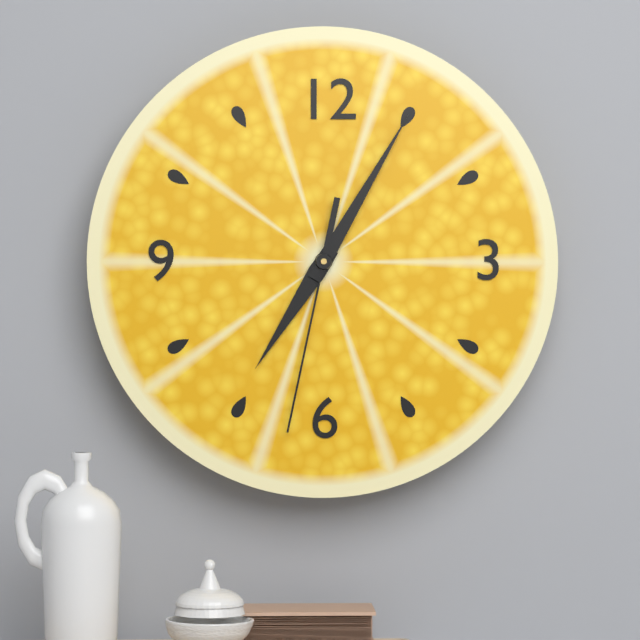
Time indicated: 7:05:32
